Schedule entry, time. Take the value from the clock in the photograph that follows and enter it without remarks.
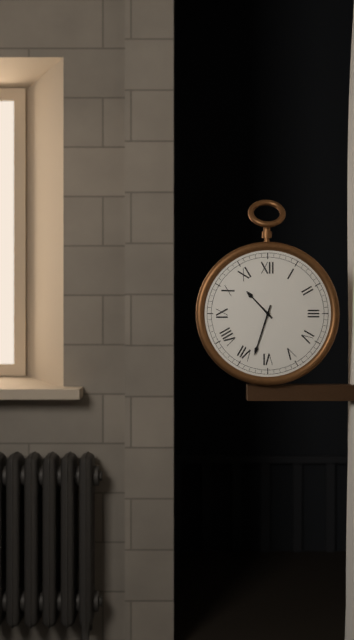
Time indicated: 10:33
